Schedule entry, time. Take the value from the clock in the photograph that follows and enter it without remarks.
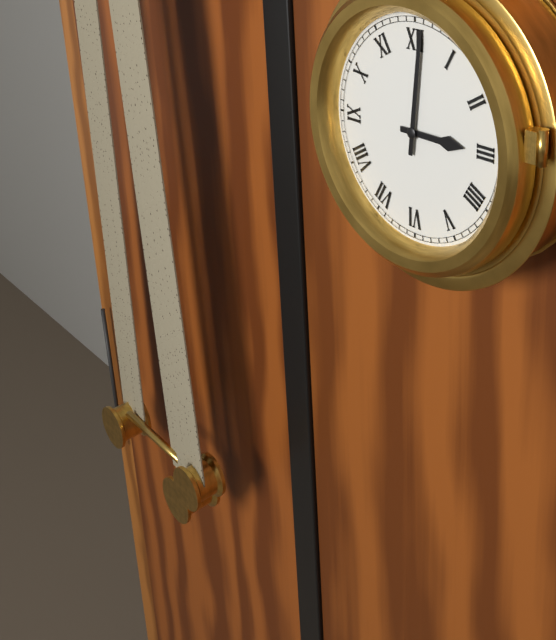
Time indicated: 3:01
